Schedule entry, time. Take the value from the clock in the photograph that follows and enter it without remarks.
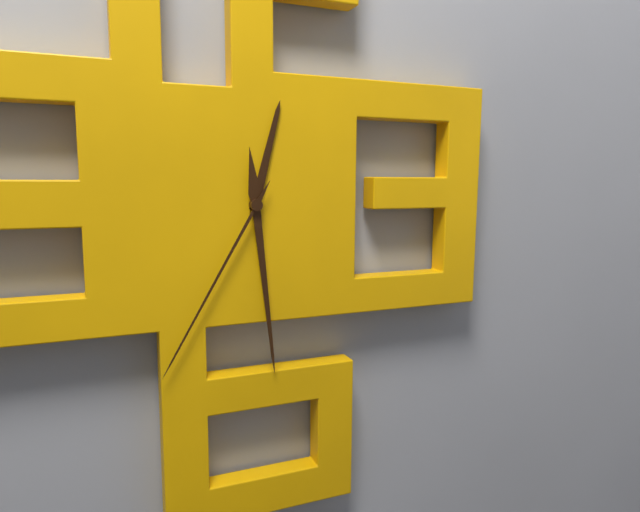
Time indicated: 12:29:35
